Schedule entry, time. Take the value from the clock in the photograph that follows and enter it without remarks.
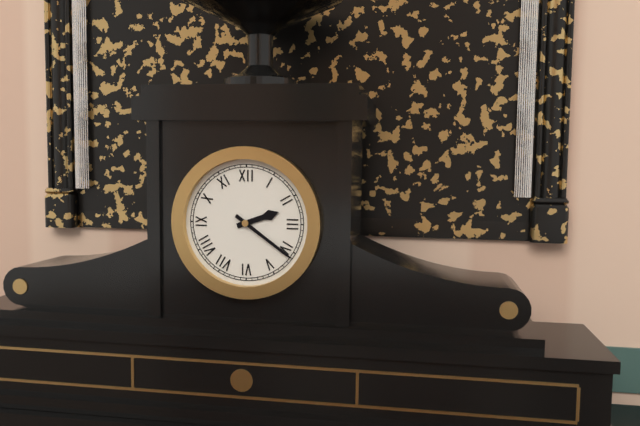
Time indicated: 2:21
